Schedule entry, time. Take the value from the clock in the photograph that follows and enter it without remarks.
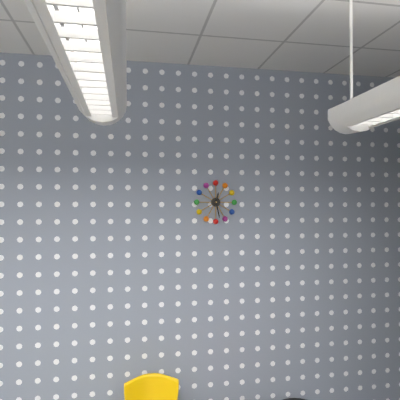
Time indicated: 12:28
